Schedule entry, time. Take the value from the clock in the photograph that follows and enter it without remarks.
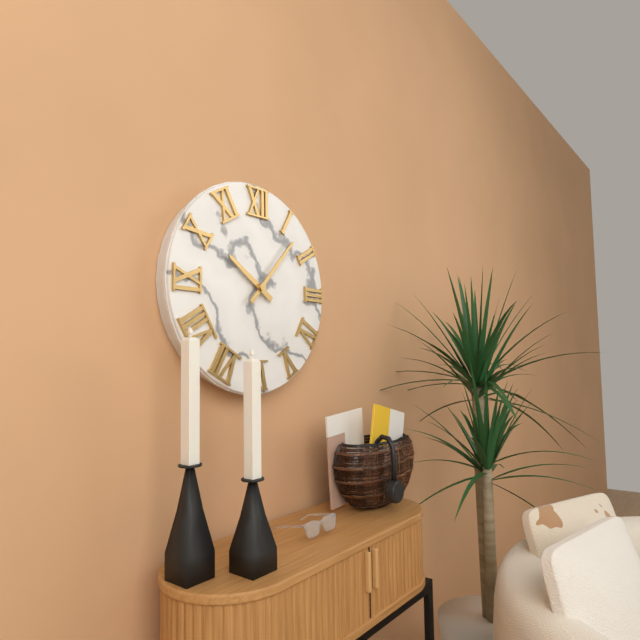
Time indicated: 10:07
